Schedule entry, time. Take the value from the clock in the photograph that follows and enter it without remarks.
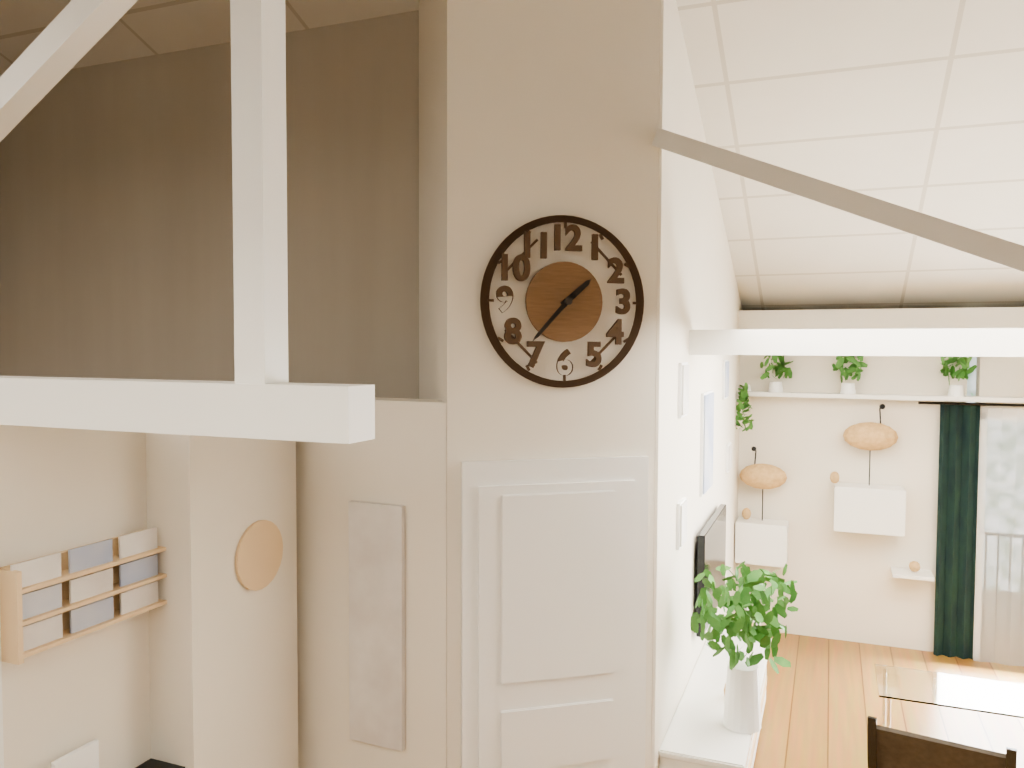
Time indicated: 1:37
